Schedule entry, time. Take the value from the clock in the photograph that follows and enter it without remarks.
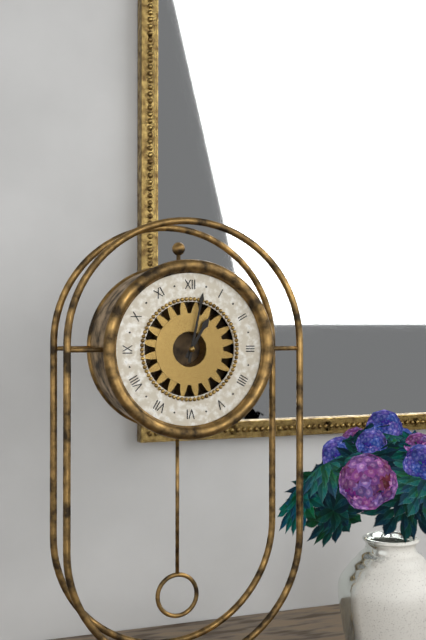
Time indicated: 1:02
